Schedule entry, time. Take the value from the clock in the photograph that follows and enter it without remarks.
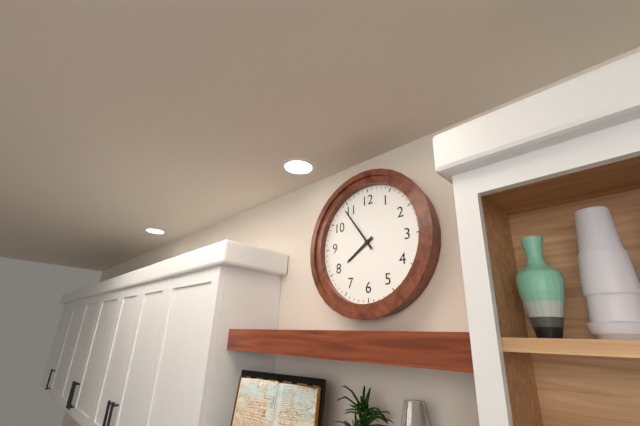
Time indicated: 7:54
